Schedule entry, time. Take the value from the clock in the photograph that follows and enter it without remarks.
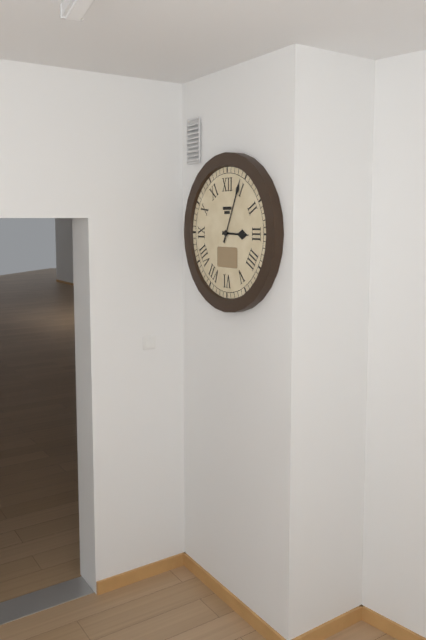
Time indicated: 3:04
